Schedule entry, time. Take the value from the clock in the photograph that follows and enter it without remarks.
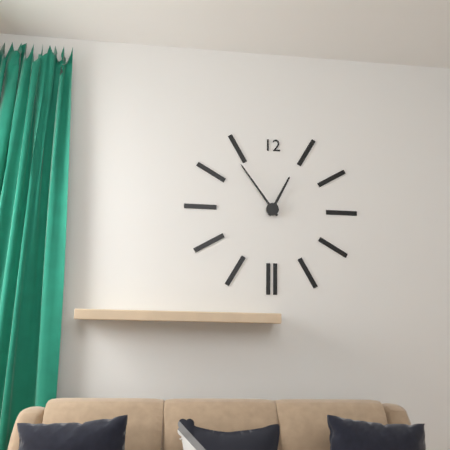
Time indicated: 12:54
